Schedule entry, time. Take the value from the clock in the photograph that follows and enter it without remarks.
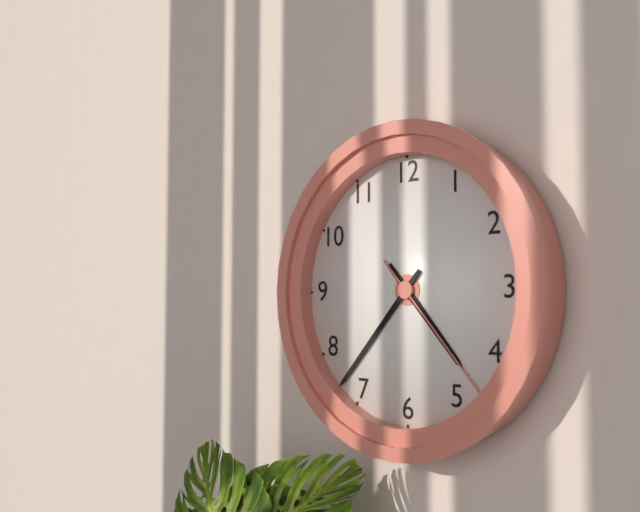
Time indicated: 4:37:23
